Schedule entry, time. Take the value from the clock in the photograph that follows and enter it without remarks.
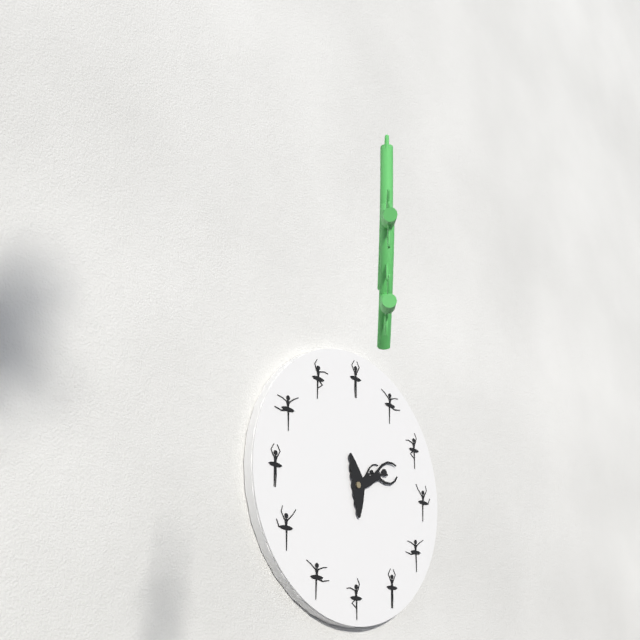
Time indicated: 2:13
